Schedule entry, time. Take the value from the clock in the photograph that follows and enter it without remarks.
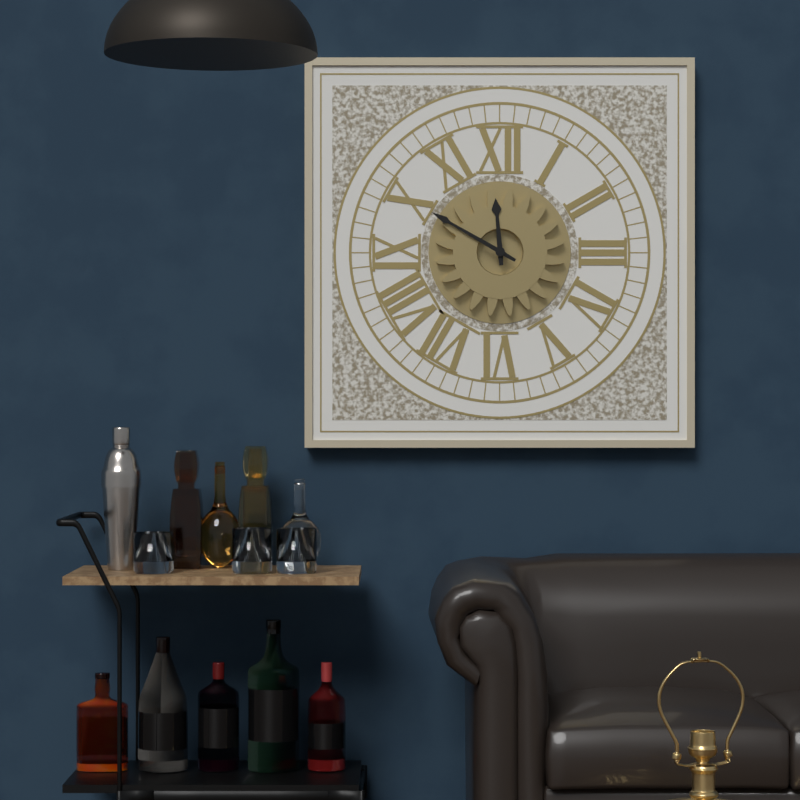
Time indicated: 11:50
